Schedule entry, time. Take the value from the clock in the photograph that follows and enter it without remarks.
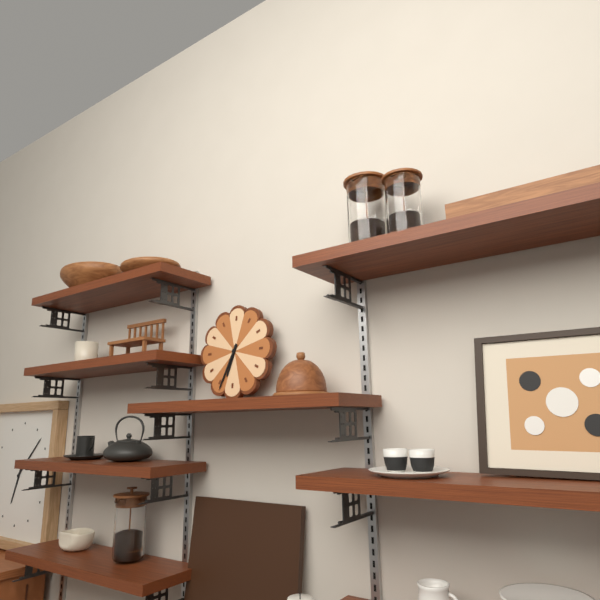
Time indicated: 6:34
